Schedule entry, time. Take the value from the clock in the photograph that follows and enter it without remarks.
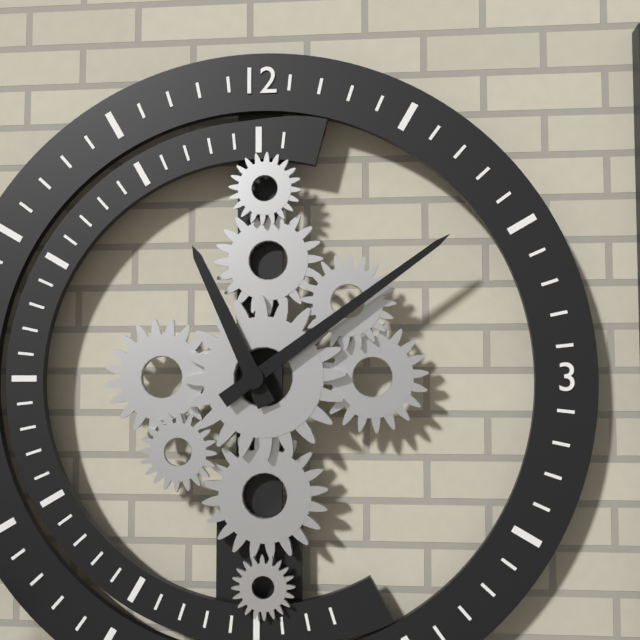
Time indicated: 11:09
